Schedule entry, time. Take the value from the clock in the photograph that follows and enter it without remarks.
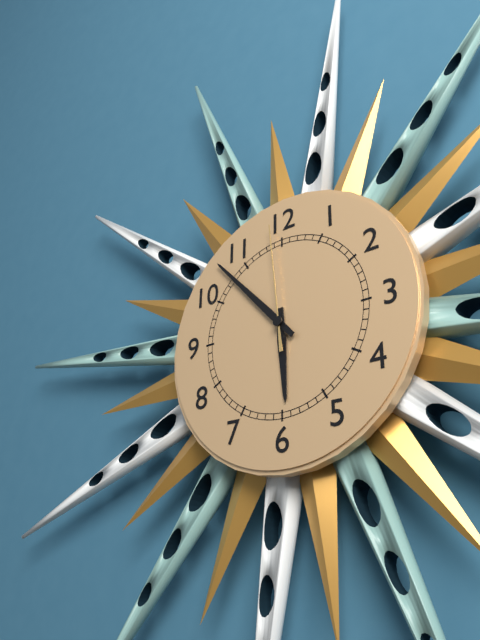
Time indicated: 5:53:59
